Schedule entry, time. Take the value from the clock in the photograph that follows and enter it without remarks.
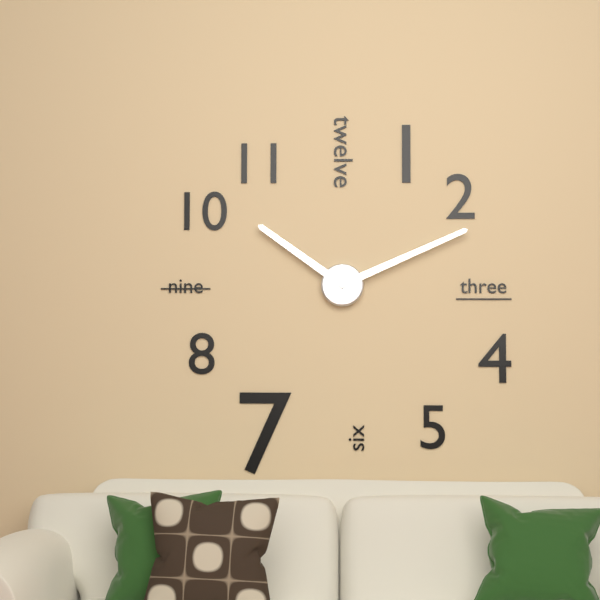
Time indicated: 10:11
